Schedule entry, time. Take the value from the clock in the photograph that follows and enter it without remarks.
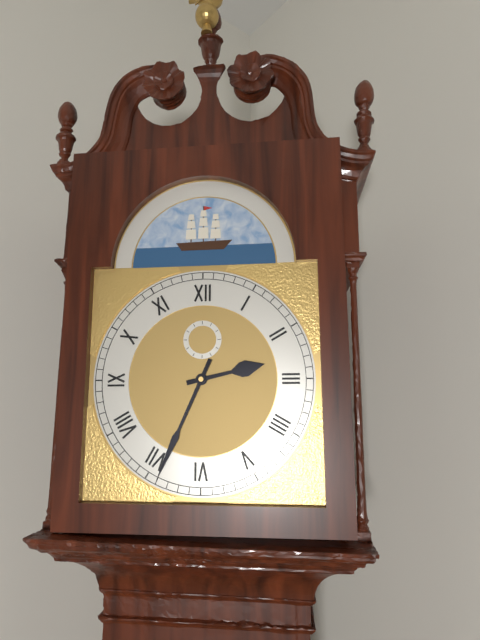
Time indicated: 2:34
